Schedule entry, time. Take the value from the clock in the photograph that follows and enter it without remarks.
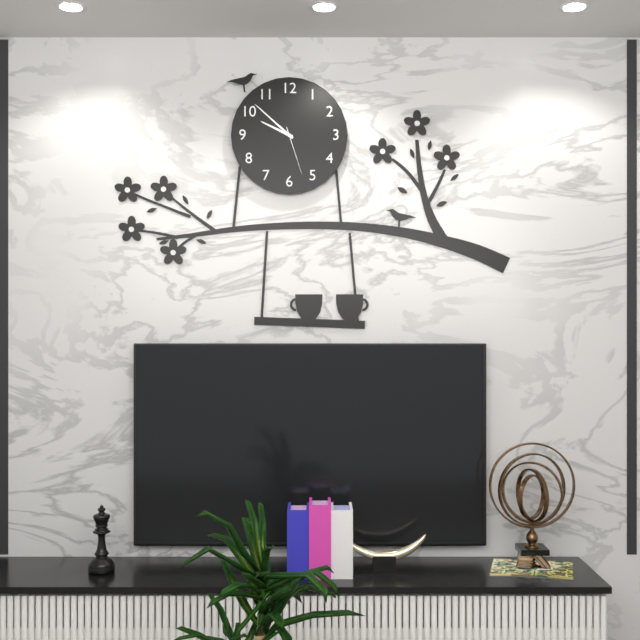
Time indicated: 9:52:27
